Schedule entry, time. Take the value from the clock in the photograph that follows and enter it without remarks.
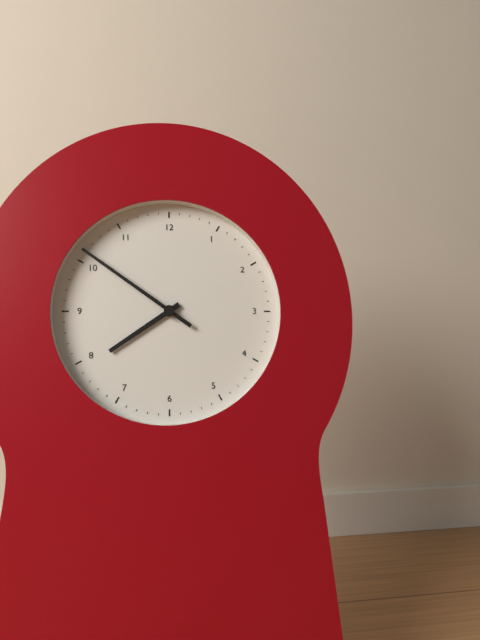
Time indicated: 7:51
